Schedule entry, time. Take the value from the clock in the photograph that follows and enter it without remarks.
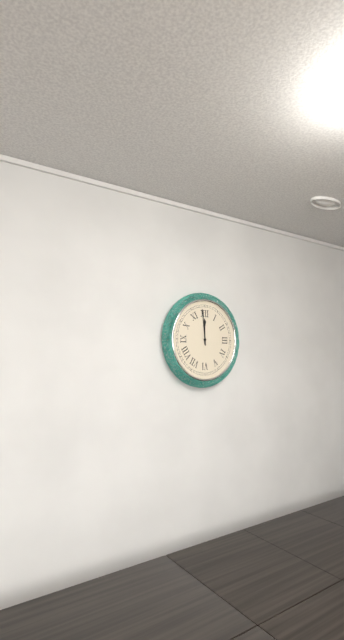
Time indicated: 11:59
